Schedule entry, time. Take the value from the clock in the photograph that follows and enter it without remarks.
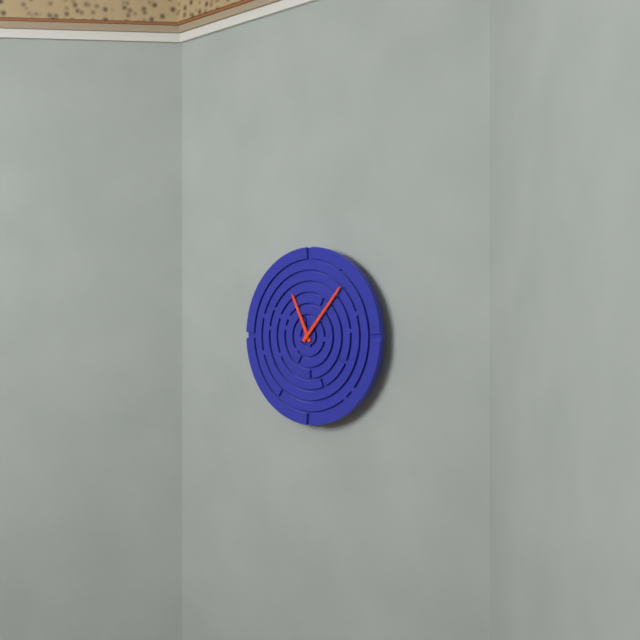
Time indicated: 11:07
